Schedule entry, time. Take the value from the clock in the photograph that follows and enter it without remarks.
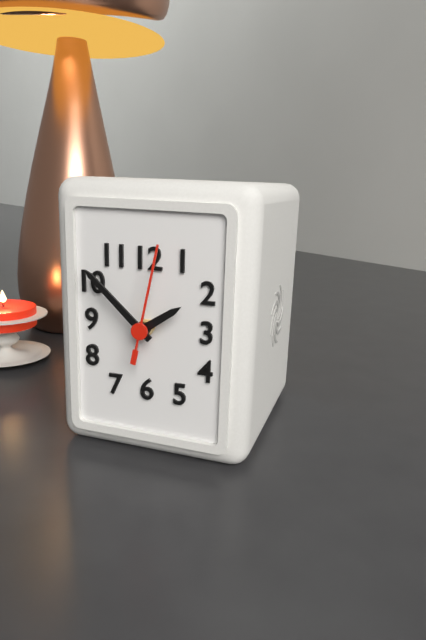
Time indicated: 1:52:02
